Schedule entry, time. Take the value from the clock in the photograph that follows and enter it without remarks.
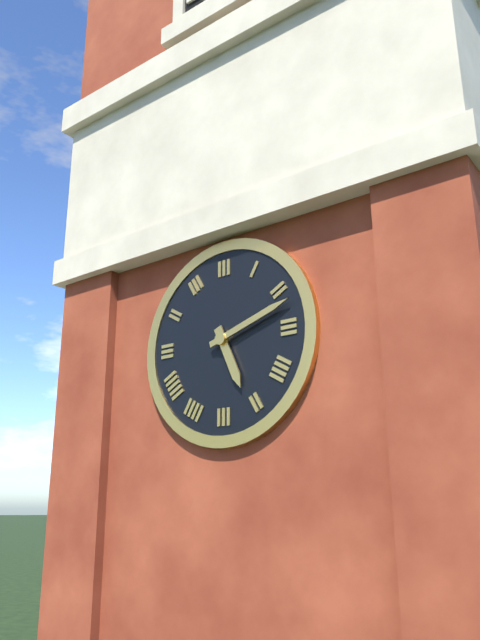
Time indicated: 5:12
